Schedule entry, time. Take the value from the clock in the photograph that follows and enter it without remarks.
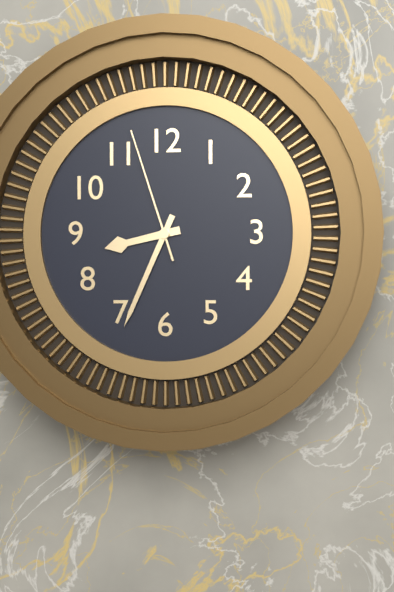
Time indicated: 8:34:57
